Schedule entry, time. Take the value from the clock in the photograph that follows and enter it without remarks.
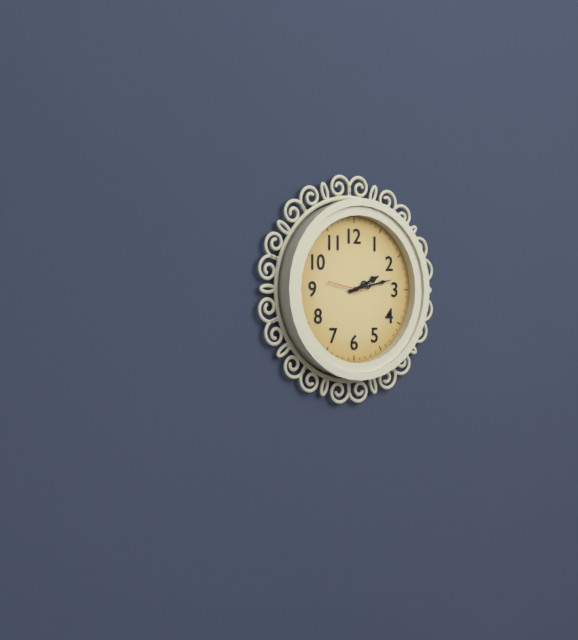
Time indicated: 2:13
